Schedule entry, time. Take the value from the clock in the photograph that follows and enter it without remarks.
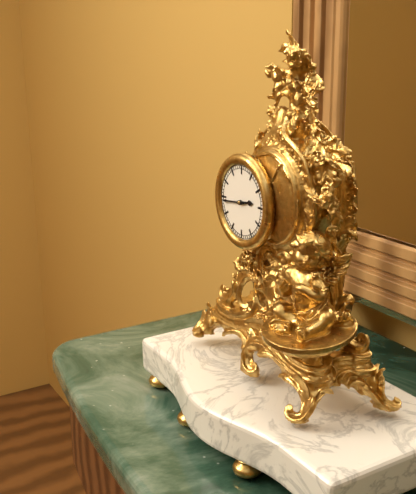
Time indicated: 2:44
